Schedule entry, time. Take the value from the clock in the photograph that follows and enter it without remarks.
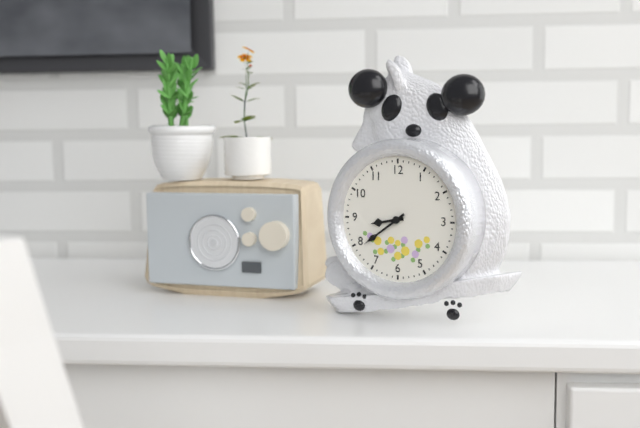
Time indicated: 8:39
